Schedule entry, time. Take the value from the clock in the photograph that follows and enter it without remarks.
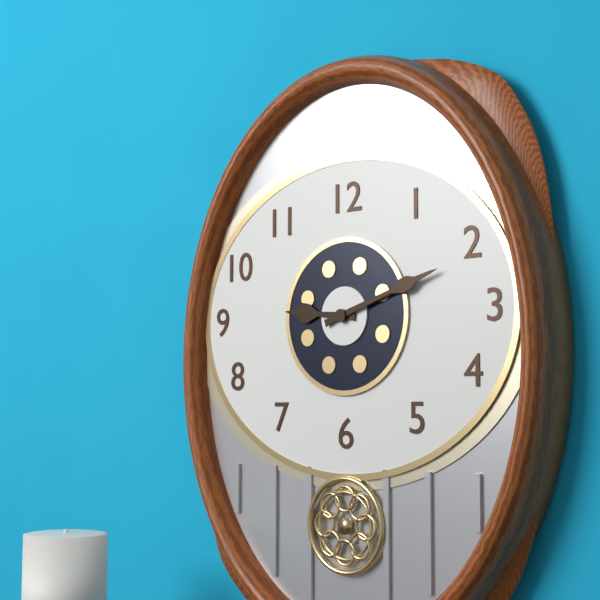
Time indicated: 9:12
